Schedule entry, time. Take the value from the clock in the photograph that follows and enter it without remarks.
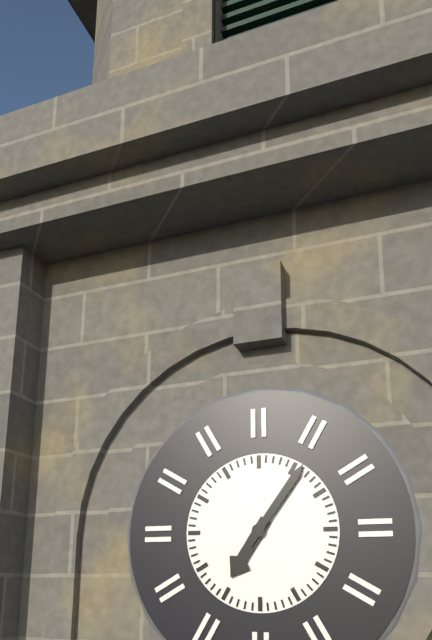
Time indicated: 7:06
